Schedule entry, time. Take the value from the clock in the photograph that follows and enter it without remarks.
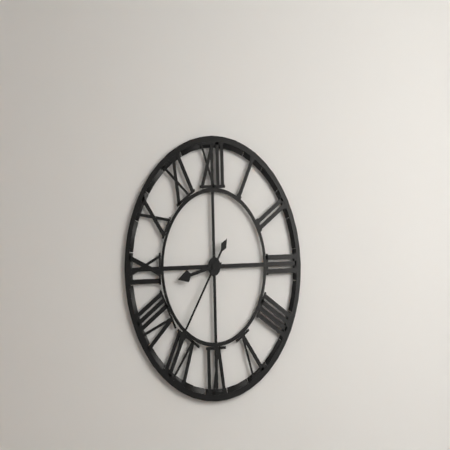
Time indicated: 8:36
